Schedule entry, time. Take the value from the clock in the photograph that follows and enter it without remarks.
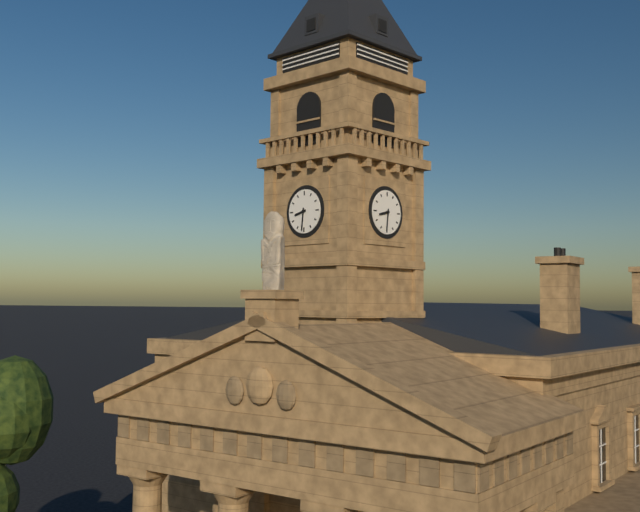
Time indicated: 8:31
